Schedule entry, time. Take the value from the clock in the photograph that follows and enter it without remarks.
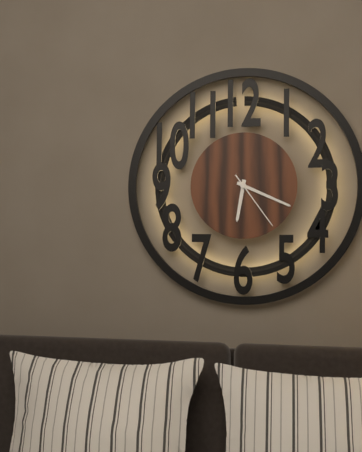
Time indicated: 6:19:24
